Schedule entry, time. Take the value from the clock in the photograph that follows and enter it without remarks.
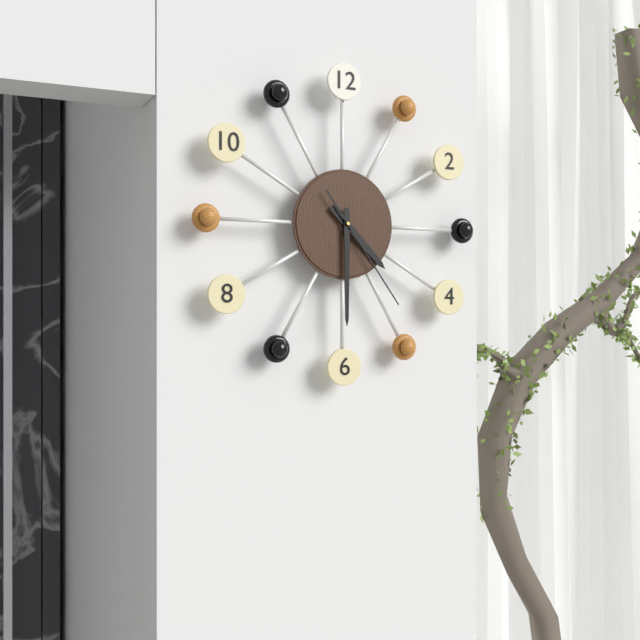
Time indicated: 4:30:24
